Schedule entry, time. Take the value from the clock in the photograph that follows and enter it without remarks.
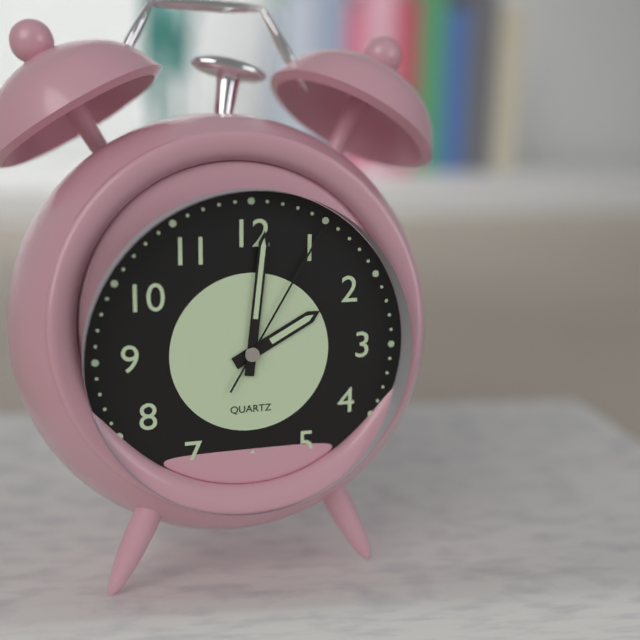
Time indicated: 2:01:05
